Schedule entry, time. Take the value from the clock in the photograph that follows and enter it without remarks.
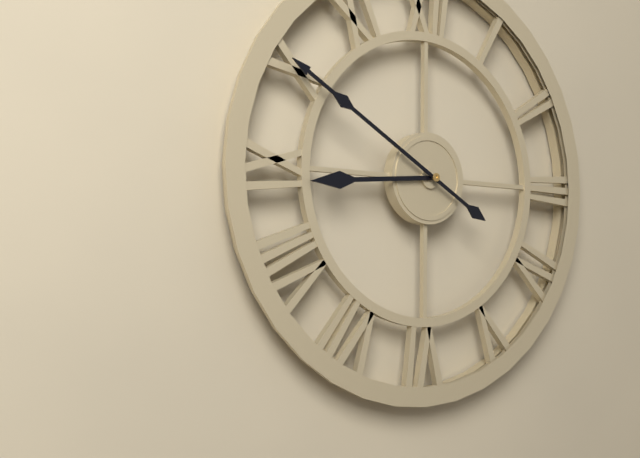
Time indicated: 8:50
